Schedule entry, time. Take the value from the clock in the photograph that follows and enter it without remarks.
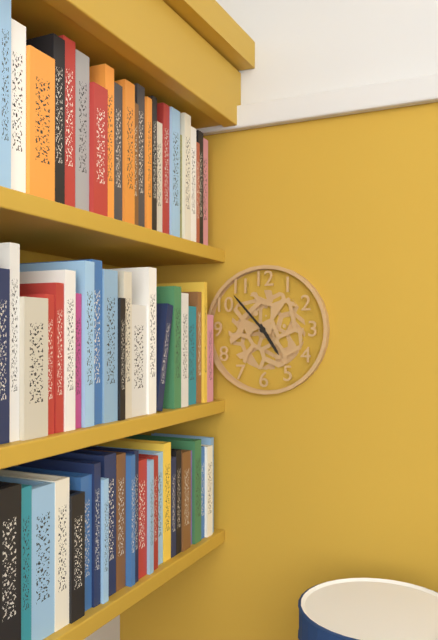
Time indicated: 4:53
